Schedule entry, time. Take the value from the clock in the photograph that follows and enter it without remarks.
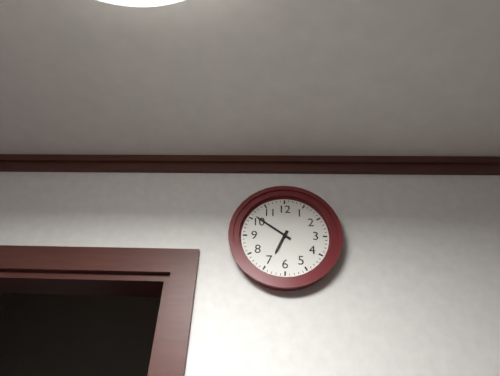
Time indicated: 6:51
